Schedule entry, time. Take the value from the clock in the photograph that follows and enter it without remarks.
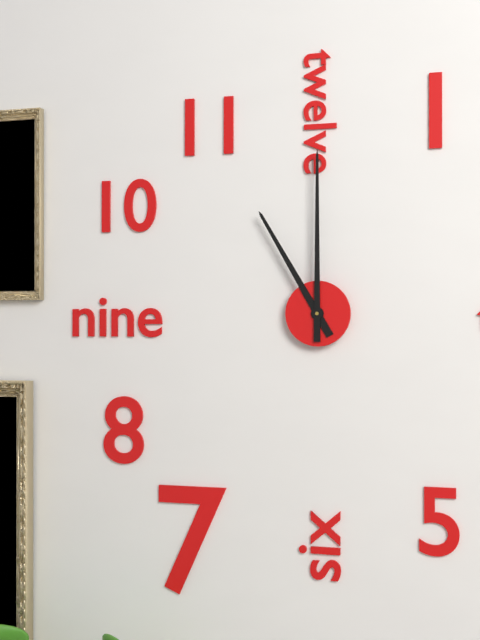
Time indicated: 11:00
